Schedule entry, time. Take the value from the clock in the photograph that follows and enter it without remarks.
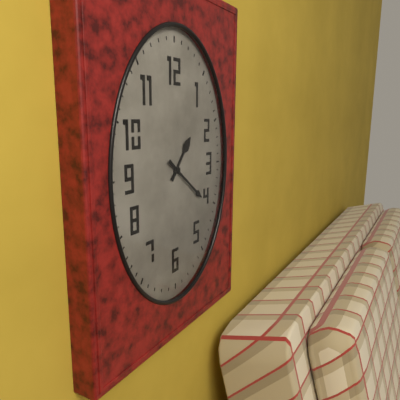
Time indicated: 1:21
